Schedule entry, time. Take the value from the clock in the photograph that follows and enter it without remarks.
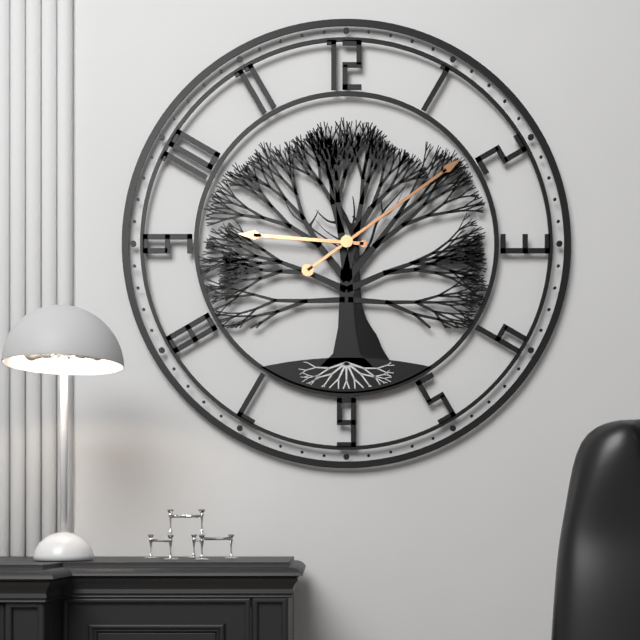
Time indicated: 9:09
